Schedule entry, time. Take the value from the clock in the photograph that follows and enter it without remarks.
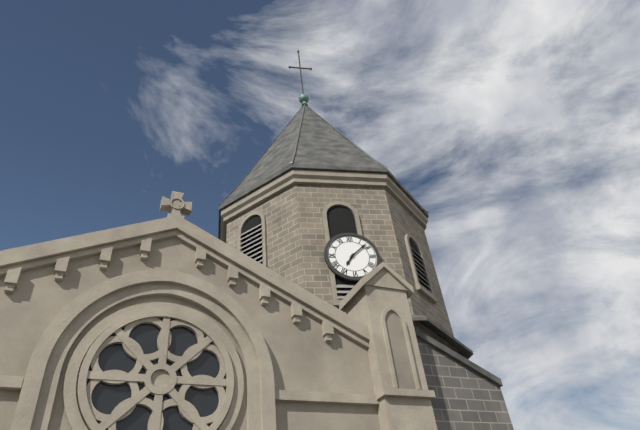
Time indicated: 7:08
